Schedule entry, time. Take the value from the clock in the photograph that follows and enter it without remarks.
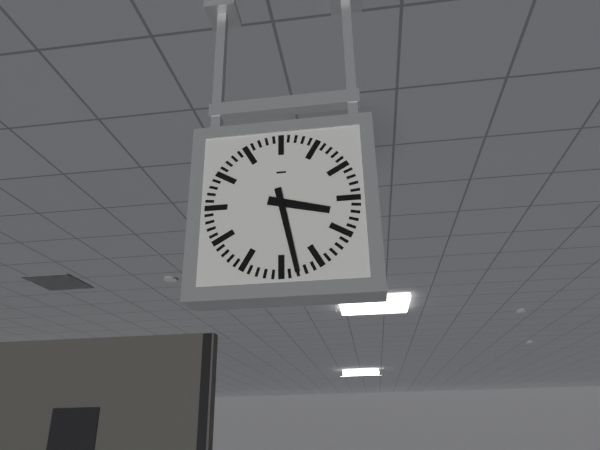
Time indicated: 3:28
